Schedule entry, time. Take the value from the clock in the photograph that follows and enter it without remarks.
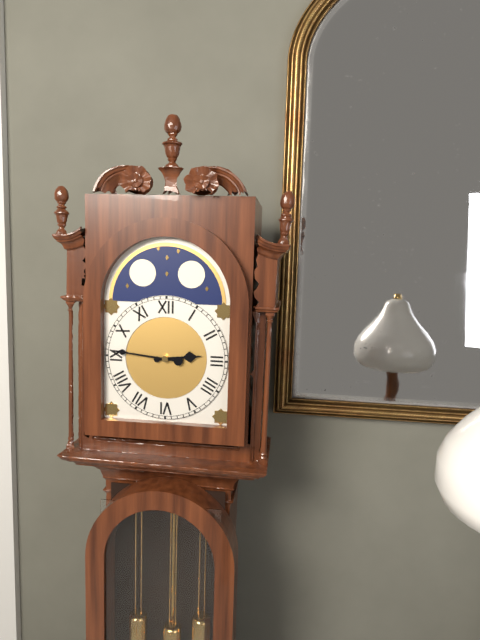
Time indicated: 2:46
